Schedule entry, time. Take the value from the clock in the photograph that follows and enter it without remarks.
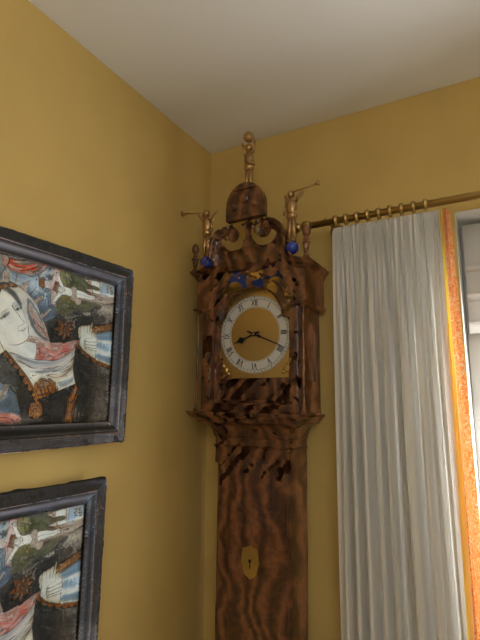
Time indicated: 8:19
